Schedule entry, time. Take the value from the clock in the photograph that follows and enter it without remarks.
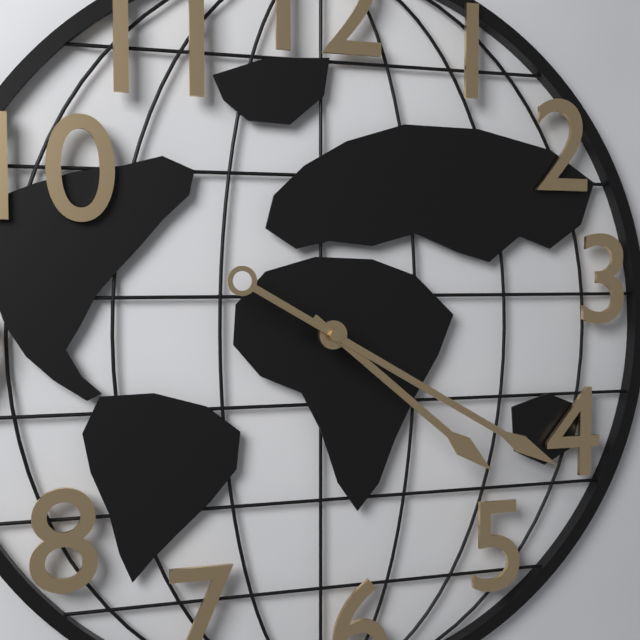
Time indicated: 4:20
